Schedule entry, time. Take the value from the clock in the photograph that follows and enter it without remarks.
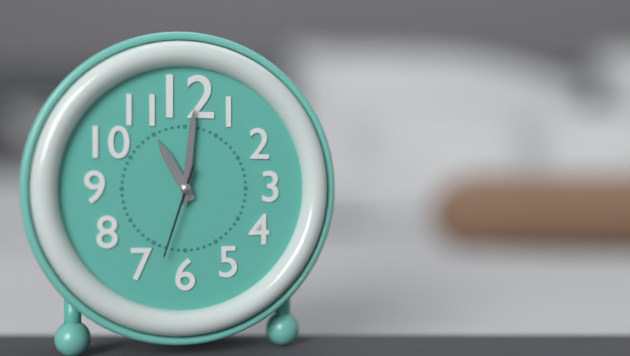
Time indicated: 11:01:33
